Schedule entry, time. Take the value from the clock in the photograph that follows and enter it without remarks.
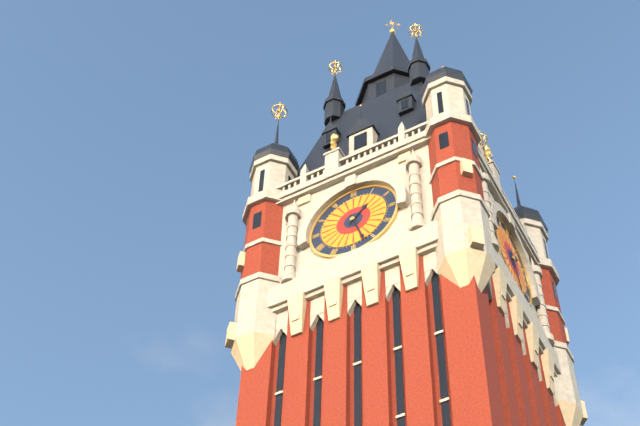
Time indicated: 1:27
